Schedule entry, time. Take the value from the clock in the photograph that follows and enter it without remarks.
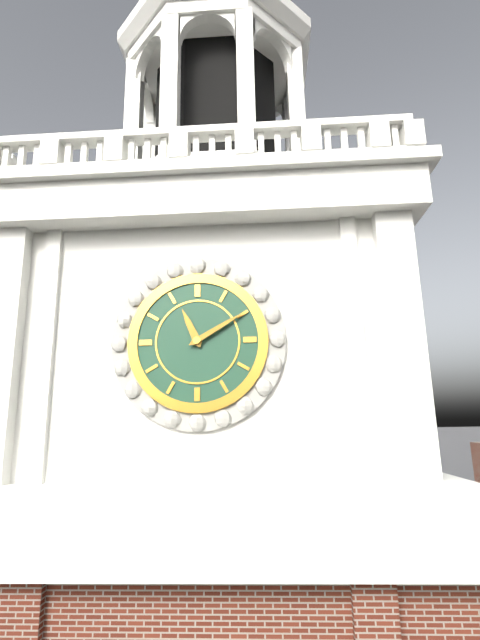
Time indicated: 11:10
